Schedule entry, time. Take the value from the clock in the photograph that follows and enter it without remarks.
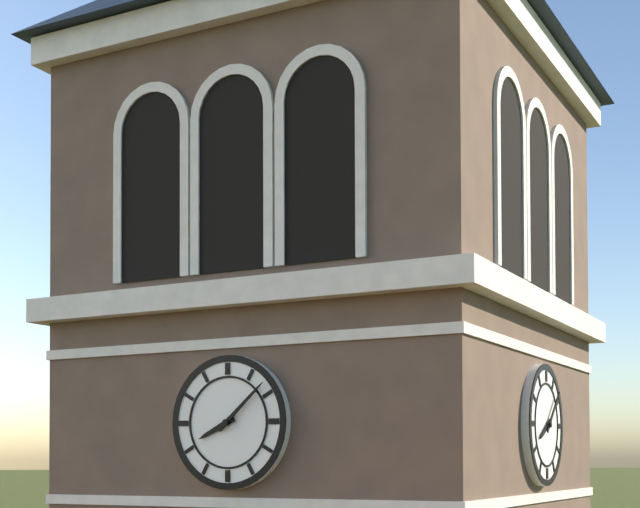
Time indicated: 8:08
